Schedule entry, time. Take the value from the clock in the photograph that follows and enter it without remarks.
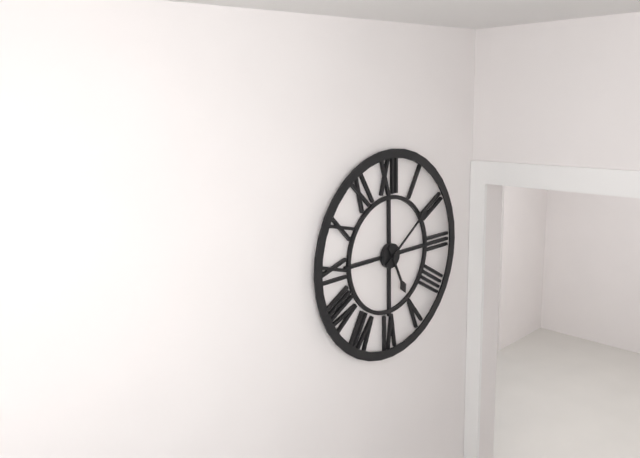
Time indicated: 5:09
